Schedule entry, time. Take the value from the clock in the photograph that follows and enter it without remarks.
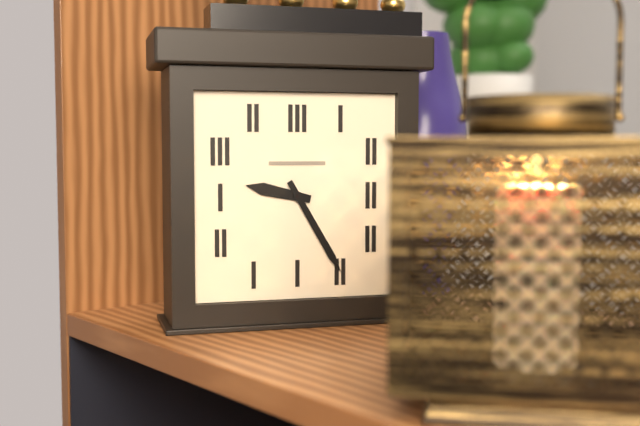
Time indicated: 9:25
